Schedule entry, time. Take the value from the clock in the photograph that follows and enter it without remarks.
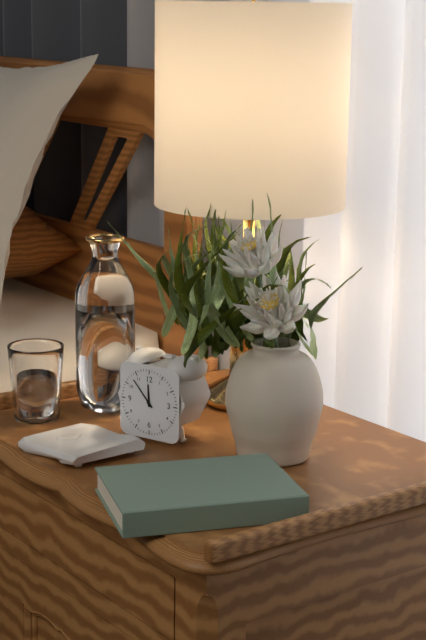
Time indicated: 11:53
